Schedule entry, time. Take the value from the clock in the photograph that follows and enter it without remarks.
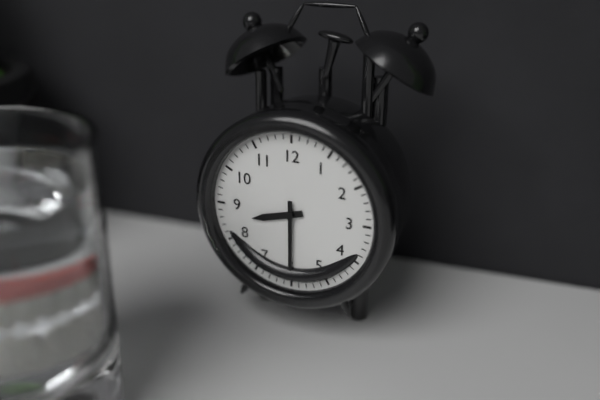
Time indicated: 8:30
